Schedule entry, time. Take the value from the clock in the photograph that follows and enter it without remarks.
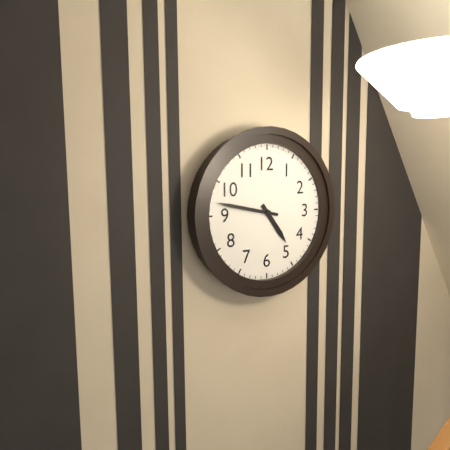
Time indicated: 4:47
